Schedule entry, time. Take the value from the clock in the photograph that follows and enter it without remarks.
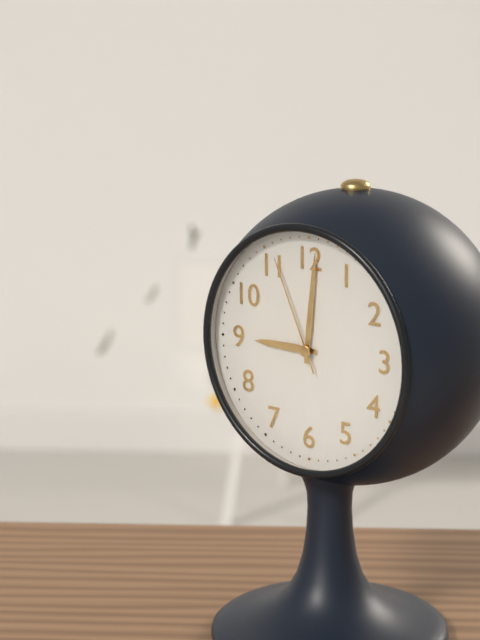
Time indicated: 9:01:56
